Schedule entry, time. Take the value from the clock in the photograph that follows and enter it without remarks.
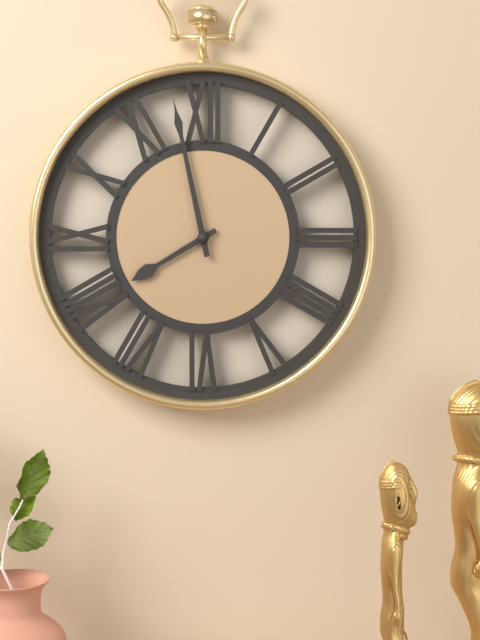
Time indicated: 7:58
